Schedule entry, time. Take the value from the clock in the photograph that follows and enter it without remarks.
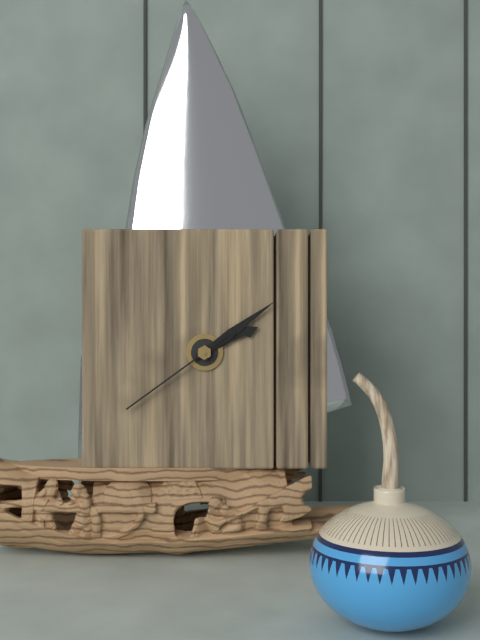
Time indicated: 2:09:39
